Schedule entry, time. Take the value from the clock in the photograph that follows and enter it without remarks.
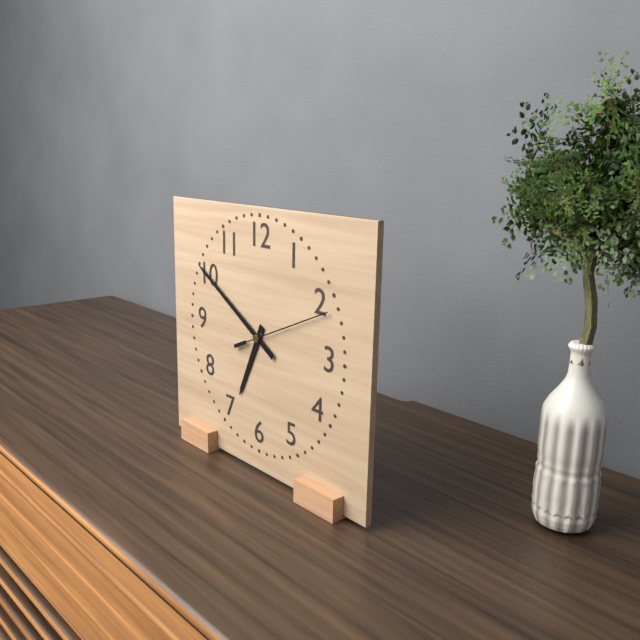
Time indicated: 6:50:11
